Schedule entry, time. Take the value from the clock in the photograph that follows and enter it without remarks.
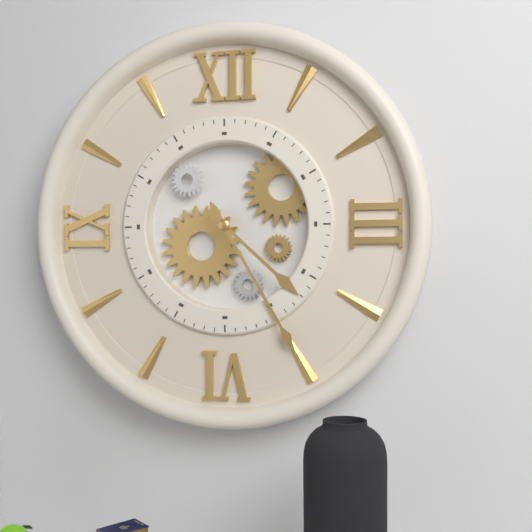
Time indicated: 4:25
